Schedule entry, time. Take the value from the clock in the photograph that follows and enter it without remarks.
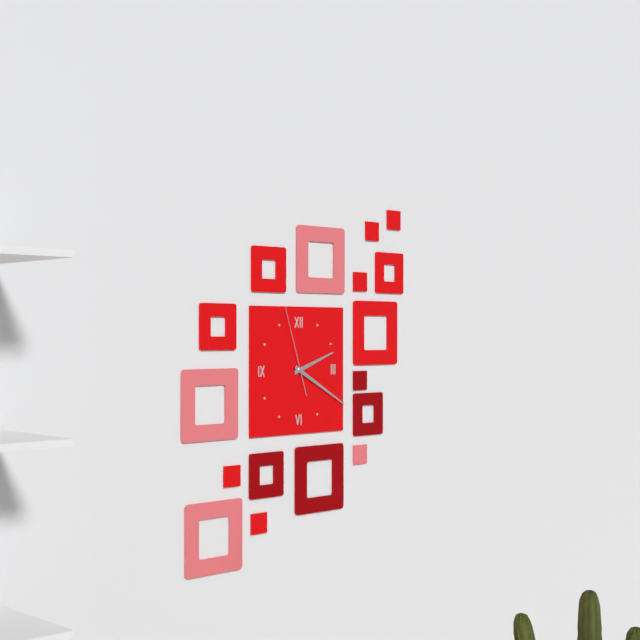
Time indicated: 2:20:57
